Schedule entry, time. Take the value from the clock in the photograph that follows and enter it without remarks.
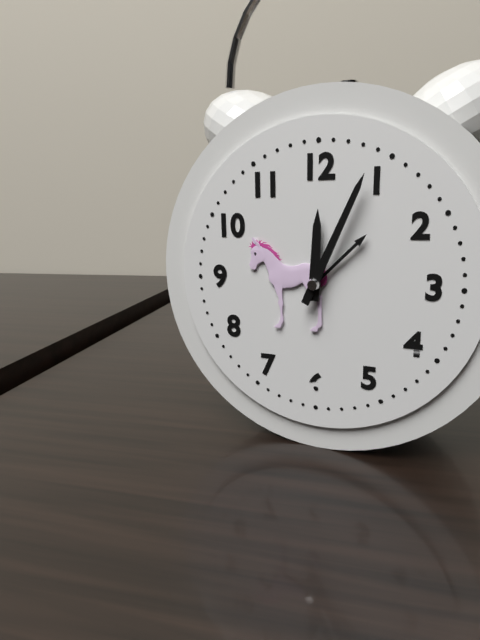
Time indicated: 12:04
